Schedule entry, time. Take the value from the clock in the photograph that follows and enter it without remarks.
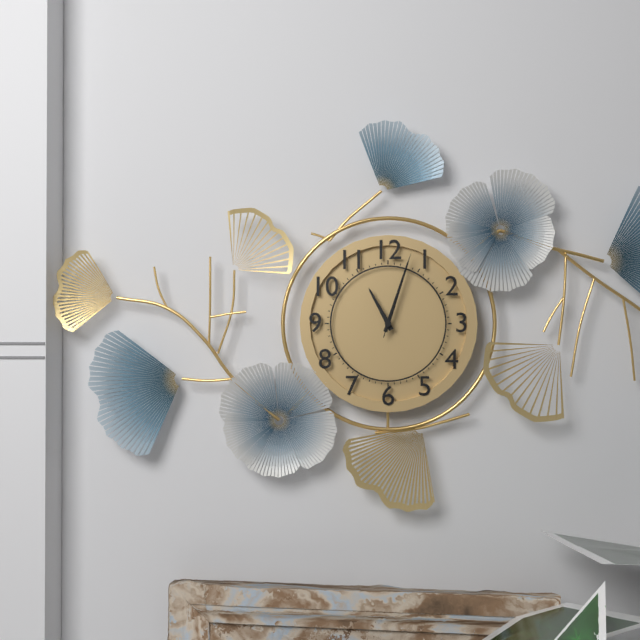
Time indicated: 11:03:03
